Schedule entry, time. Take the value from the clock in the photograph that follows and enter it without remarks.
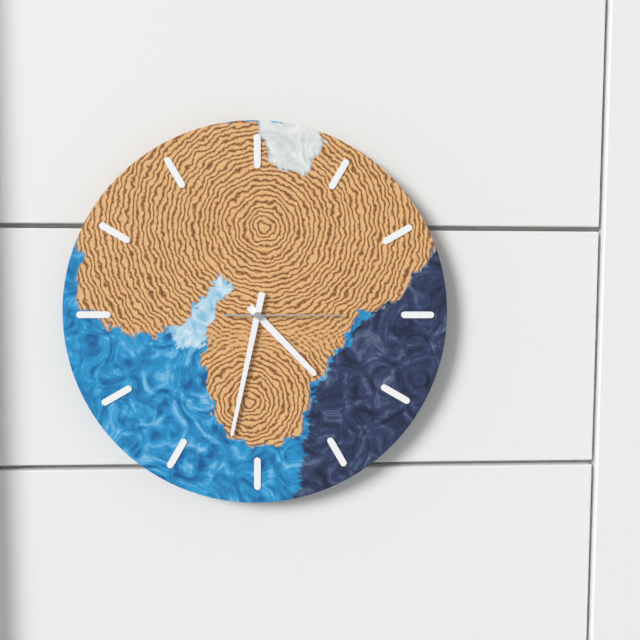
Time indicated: 4:32:15
